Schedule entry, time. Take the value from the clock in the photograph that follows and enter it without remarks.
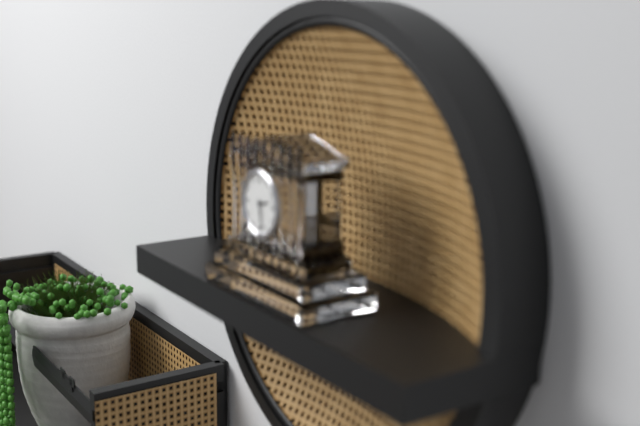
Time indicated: 2:28
